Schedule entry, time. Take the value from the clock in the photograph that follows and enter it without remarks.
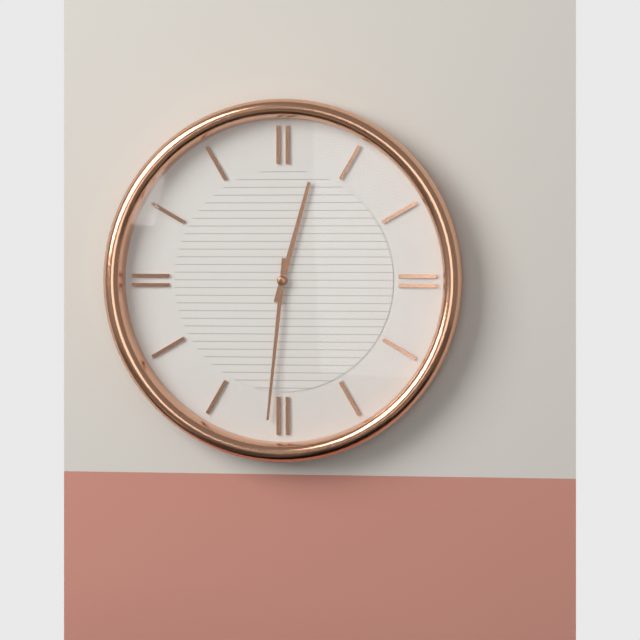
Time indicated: 12:31
